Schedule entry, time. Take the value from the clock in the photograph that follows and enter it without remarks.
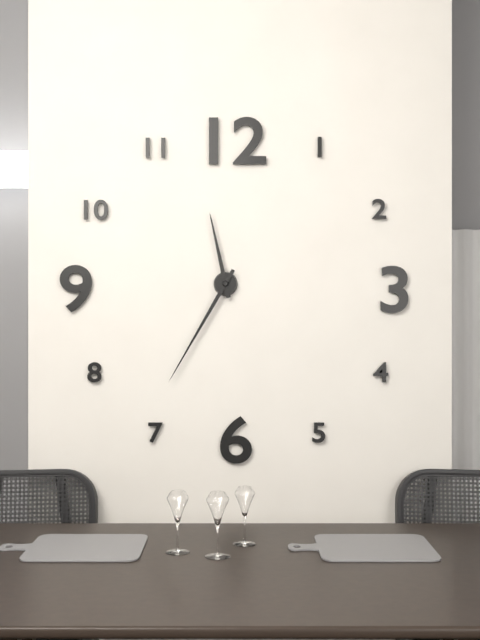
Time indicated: 11:35
